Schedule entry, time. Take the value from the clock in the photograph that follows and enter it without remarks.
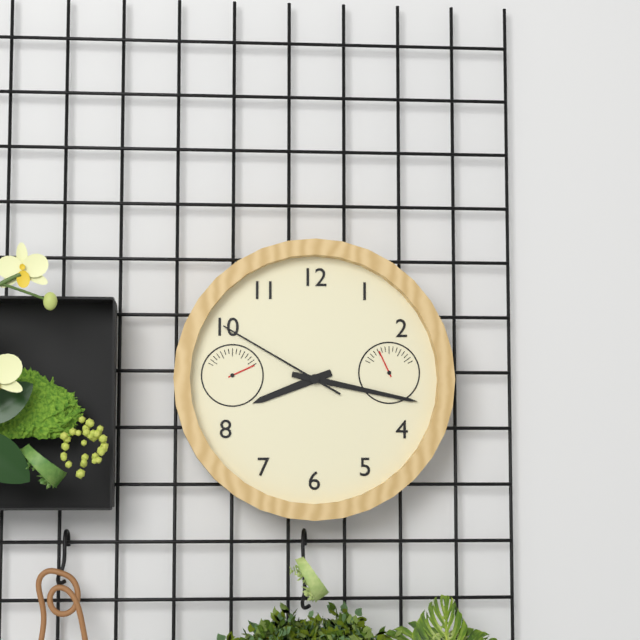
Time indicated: 8:17:50
